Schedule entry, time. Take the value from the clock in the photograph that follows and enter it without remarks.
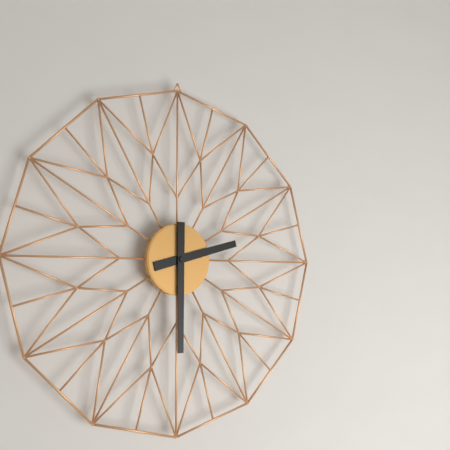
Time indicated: 2:30
